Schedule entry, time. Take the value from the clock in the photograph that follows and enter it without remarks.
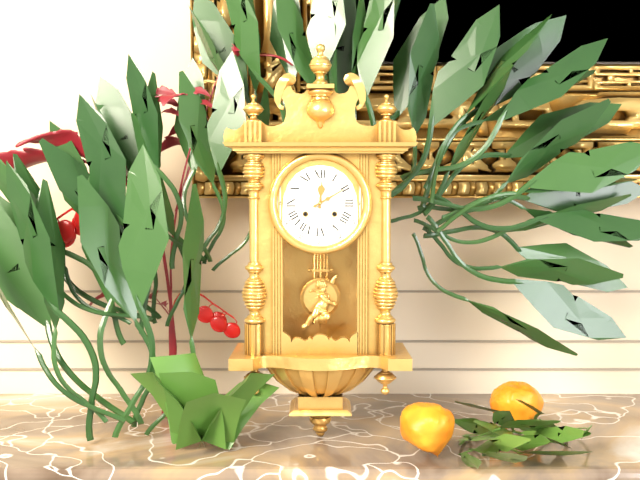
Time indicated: 12:10
